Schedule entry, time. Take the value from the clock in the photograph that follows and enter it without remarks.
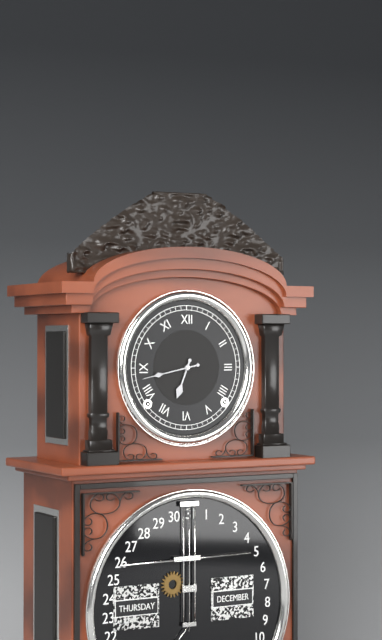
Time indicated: 6:43
